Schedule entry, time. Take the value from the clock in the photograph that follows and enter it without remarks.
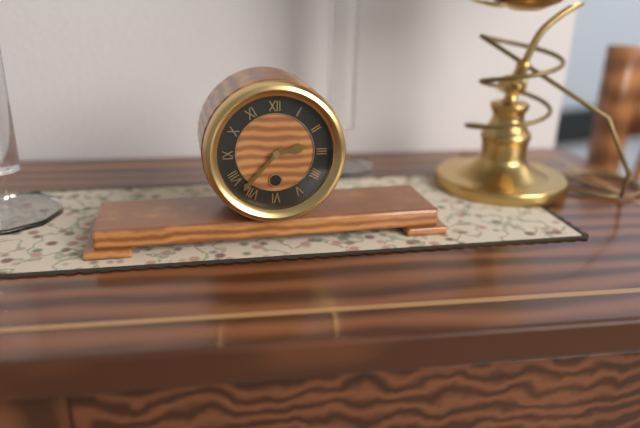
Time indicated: 2:37
